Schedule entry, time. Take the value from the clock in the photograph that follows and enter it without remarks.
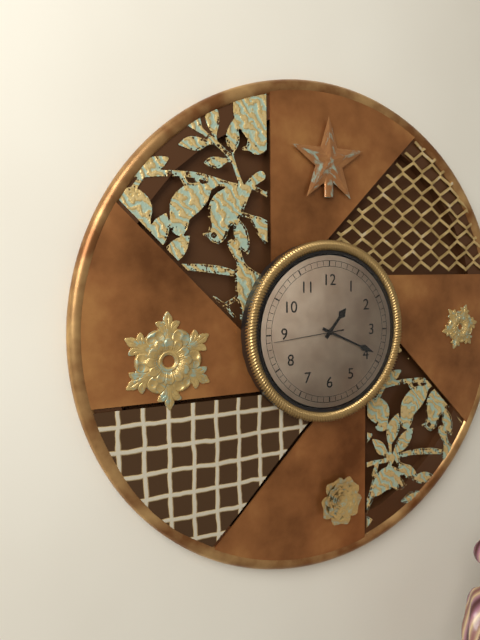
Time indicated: 1:19:44
